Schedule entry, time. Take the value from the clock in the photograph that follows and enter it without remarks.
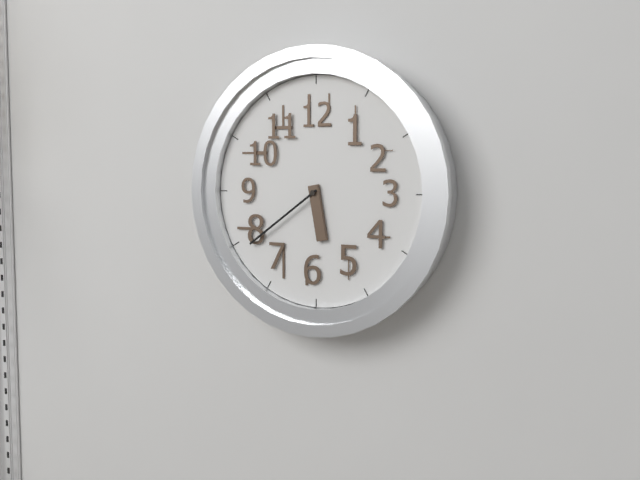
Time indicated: 5:39
